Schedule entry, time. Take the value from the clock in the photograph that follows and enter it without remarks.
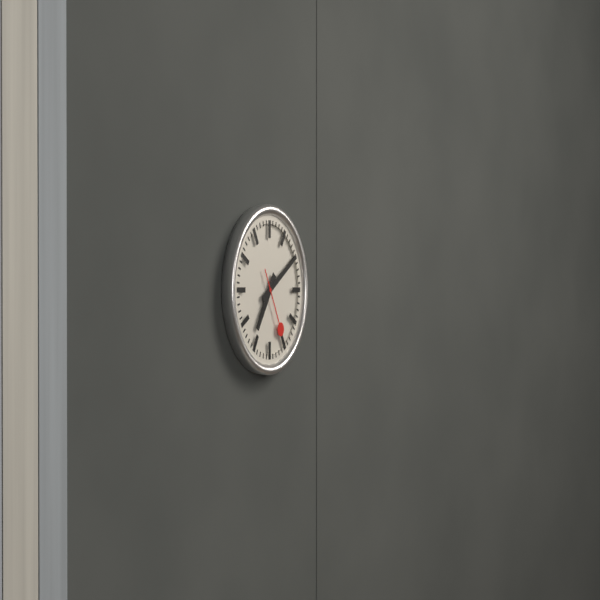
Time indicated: 7:10:25
